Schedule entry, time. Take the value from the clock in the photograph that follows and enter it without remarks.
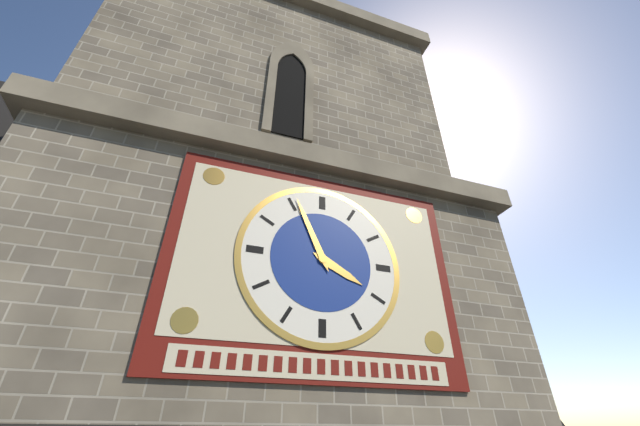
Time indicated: 3:56
